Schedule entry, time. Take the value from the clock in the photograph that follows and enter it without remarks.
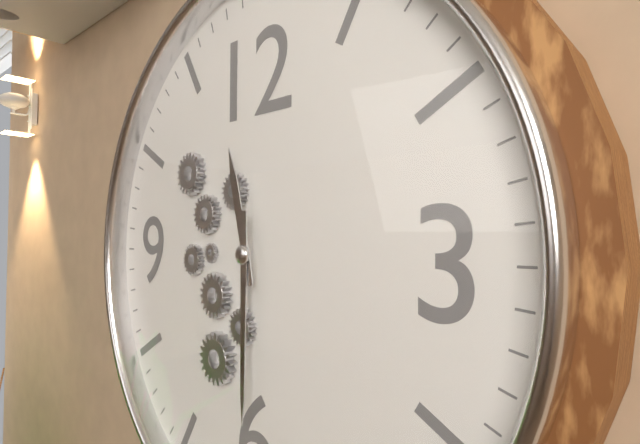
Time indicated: 11:30
